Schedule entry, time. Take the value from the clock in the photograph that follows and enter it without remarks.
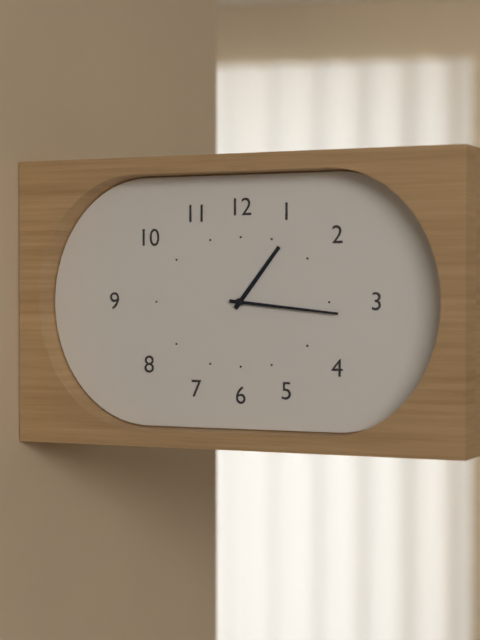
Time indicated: 1:16
